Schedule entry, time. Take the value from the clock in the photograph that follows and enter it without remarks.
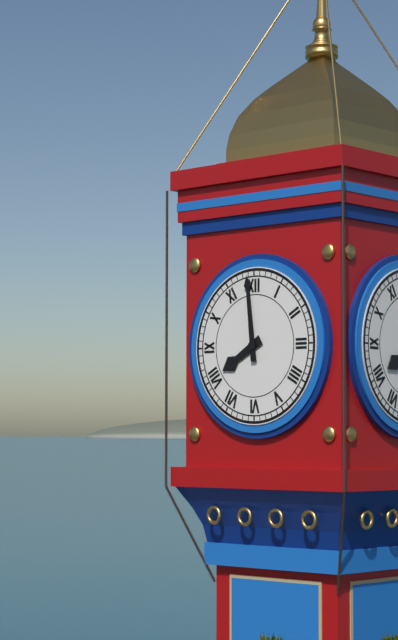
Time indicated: 7:59
